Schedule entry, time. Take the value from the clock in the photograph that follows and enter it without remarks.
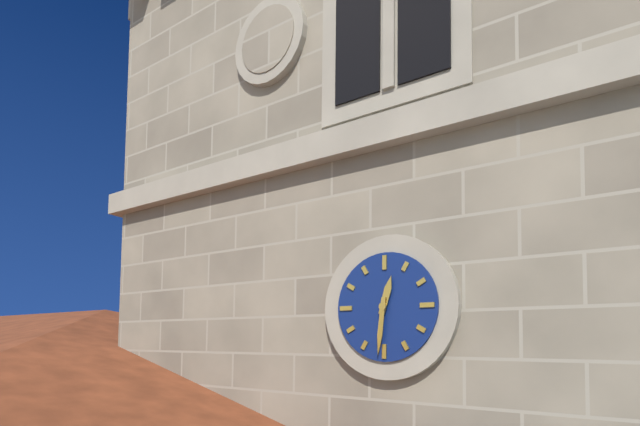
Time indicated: 12:31
